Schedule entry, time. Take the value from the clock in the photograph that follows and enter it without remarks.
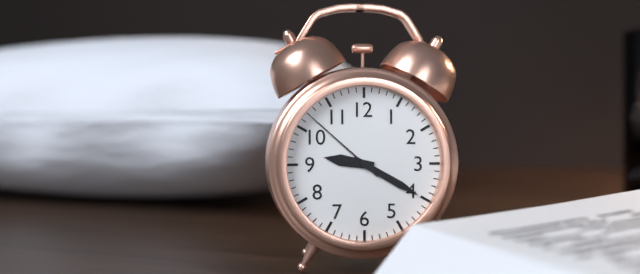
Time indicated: 9:20:52
